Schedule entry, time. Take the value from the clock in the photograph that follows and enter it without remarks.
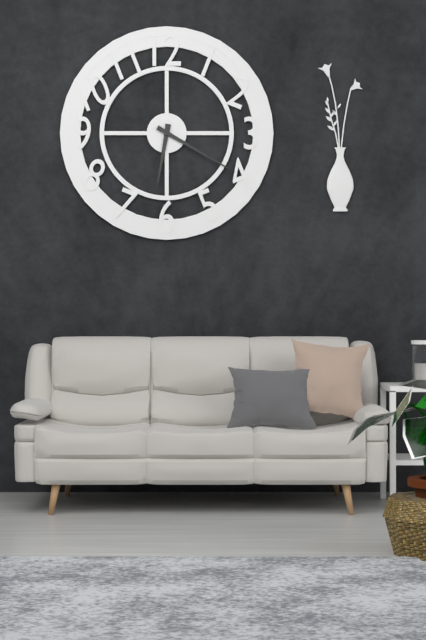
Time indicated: 6:20
